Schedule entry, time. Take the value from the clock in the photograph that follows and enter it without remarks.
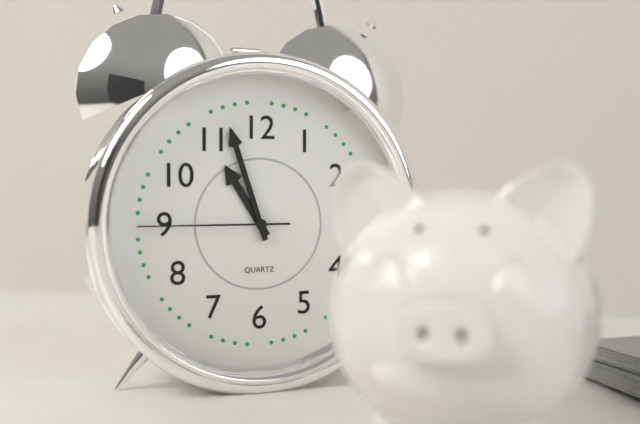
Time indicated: 10:57:45
